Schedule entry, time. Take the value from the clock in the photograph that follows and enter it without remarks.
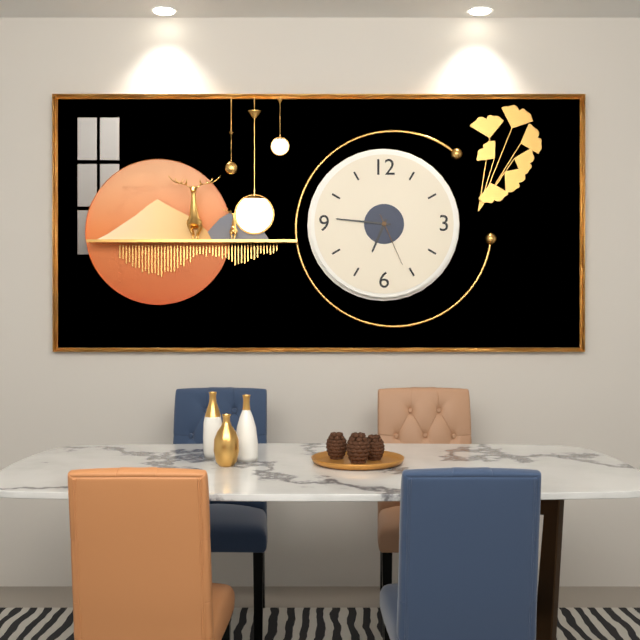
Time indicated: 6:46:26
